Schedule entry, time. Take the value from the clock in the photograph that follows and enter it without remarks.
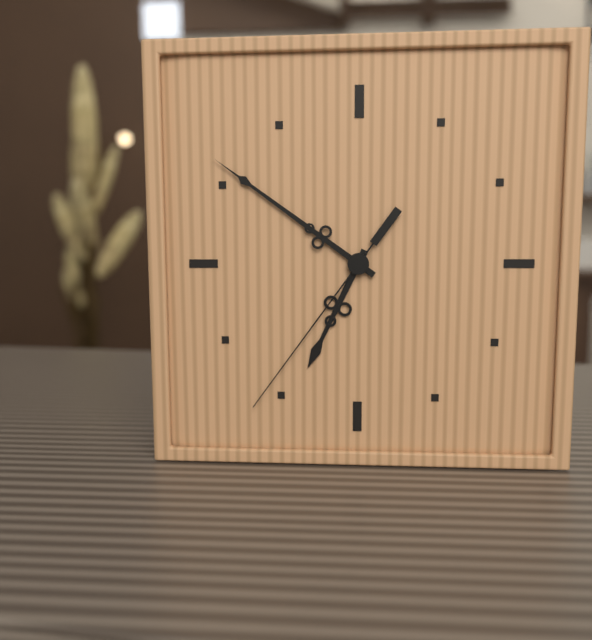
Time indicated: 6:51:36
